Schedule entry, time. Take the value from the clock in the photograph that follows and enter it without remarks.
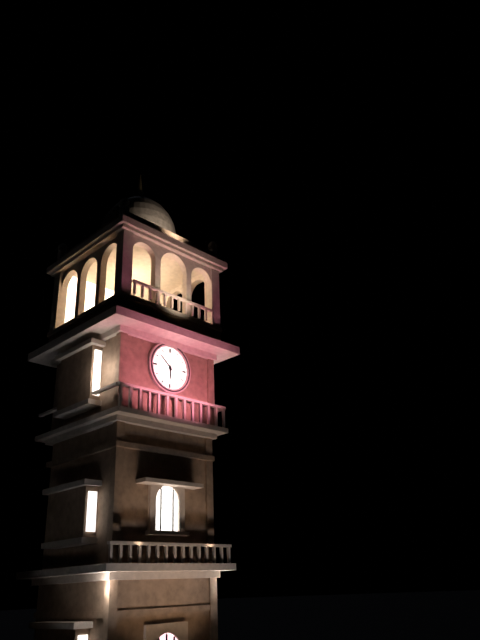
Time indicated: 5:52
